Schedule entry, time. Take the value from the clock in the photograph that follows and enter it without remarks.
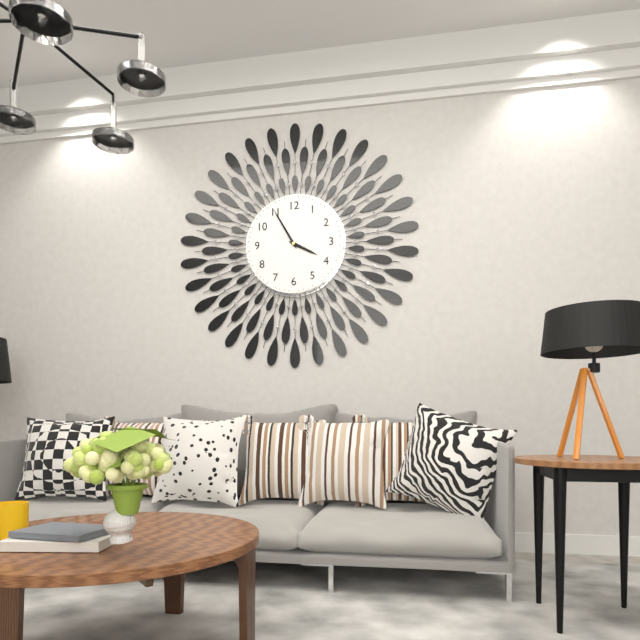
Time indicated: 3:55
